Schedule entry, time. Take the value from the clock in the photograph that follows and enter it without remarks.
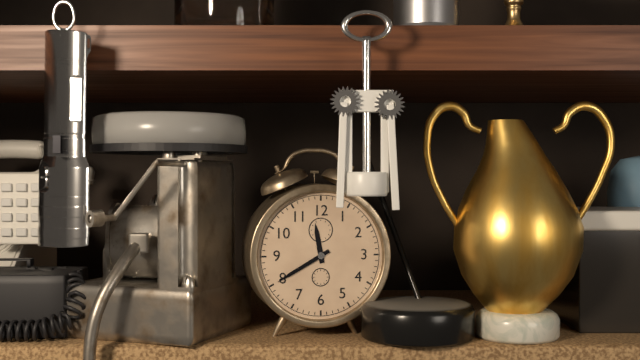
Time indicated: 11:40
